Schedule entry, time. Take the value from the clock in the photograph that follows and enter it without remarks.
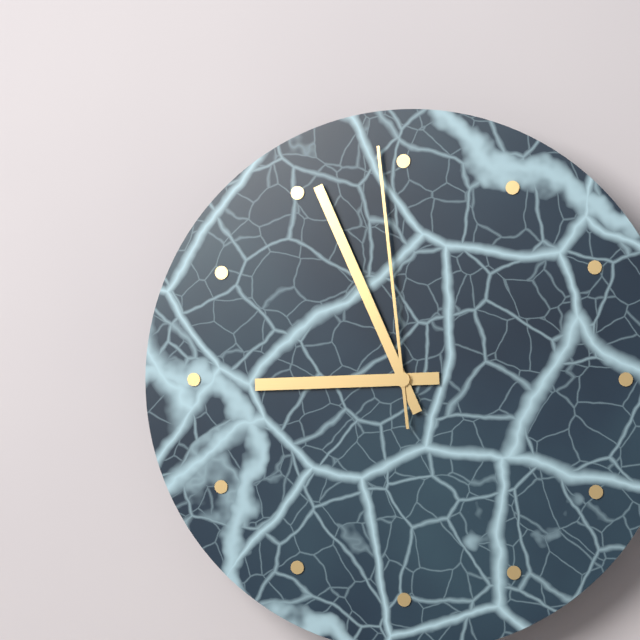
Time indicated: 8:56:59
